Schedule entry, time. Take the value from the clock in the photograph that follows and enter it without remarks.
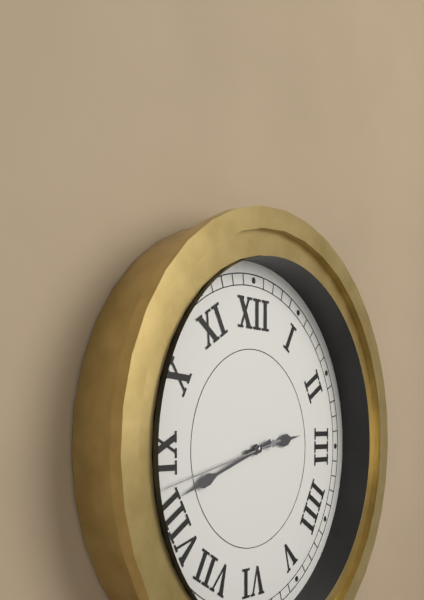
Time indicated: 2:42:43
